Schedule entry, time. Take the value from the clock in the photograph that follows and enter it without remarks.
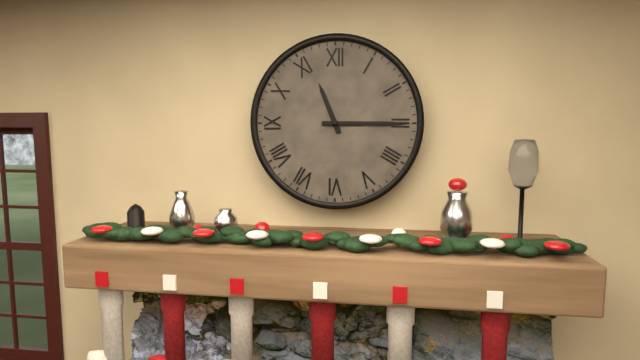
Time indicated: 11:15
